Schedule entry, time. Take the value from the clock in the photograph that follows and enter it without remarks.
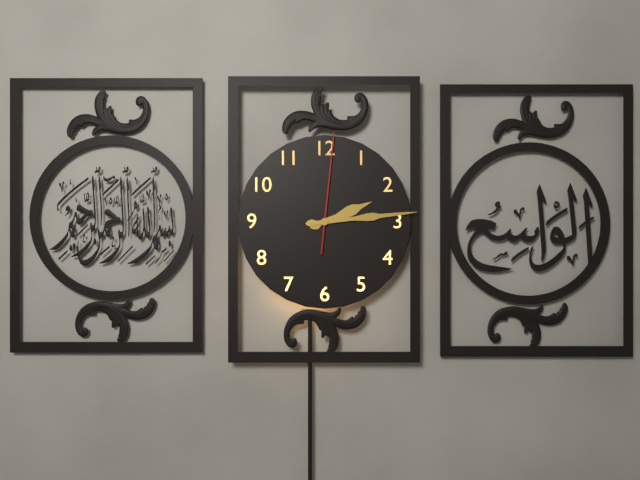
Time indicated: 2:14:01
